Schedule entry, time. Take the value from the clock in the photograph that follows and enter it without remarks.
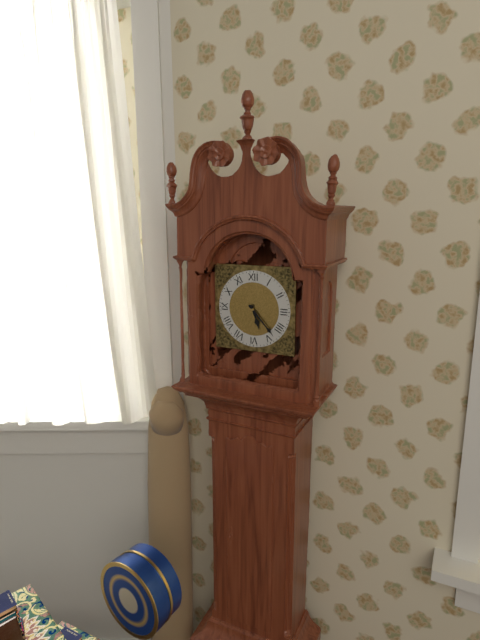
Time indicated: 5:23
